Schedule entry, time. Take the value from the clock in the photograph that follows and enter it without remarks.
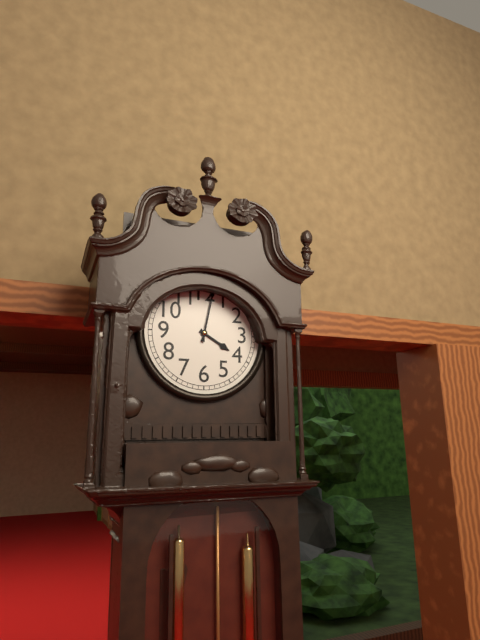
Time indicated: 4:02
